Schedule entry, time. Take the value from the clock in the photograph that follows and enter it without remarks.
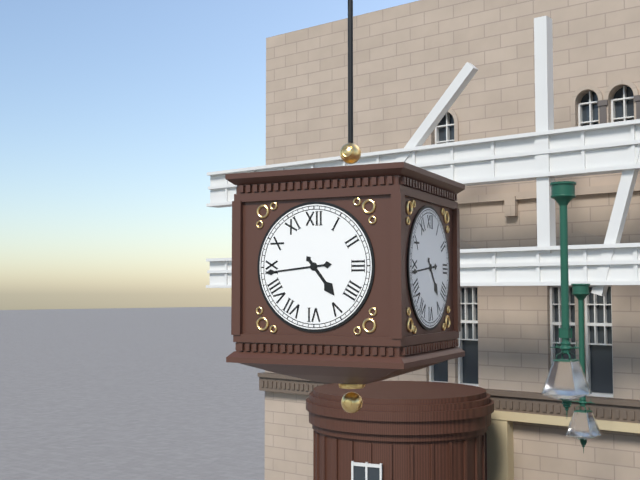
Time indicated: 4:44
